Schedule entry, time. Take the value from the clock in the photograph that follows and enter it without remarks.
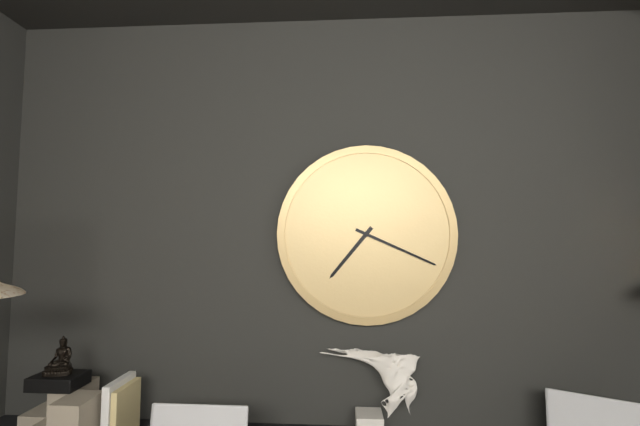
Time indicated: 7:19
